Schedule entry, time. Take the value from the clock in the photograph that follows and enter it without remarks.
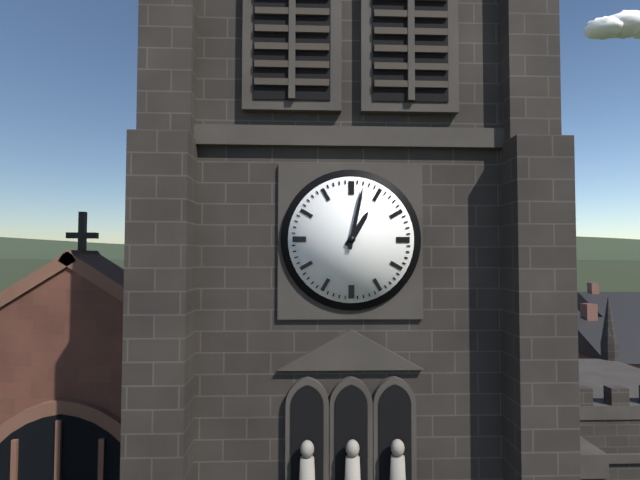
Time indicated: 1:02
